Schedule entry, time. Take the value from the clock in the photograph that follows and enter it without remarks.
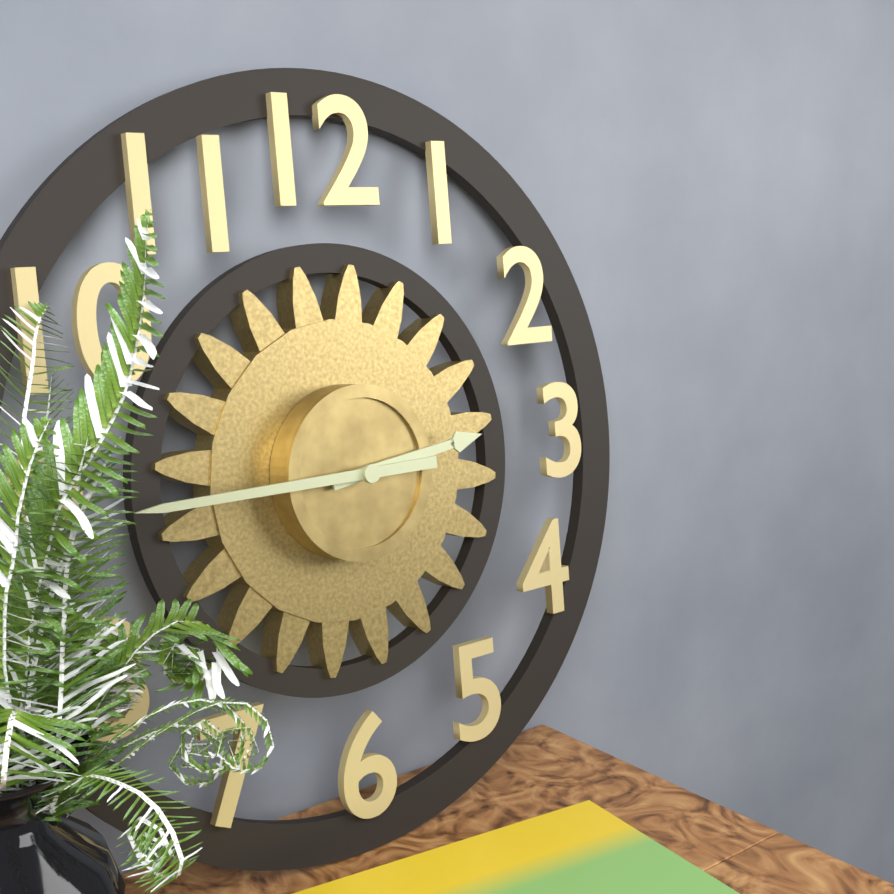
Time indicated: 2:45
